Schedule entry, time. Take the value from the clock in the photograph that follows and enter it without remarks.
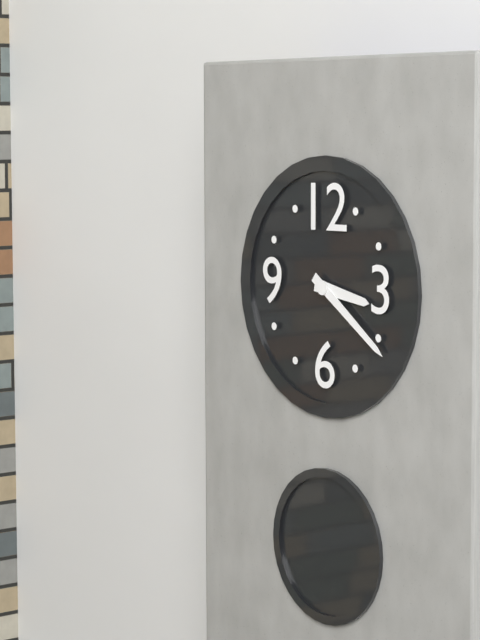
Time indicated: 3:21
